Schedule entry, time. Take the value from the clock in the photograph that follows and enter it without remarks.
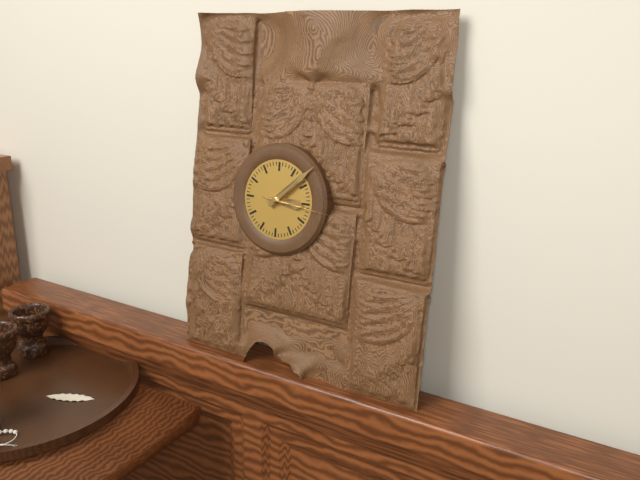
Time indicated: 3:08:16
